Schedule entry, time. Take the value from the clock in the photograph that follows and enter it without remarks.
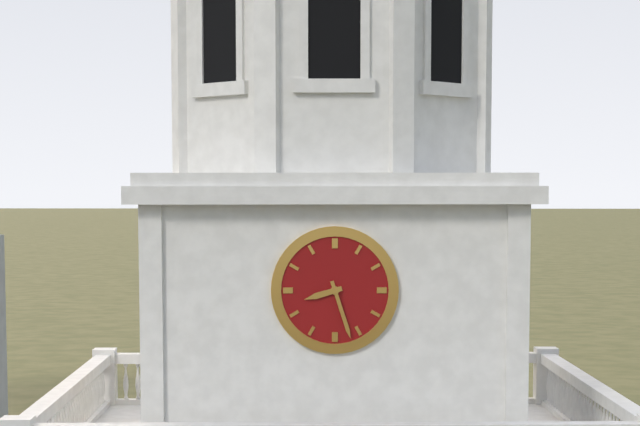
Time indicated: 8:27
